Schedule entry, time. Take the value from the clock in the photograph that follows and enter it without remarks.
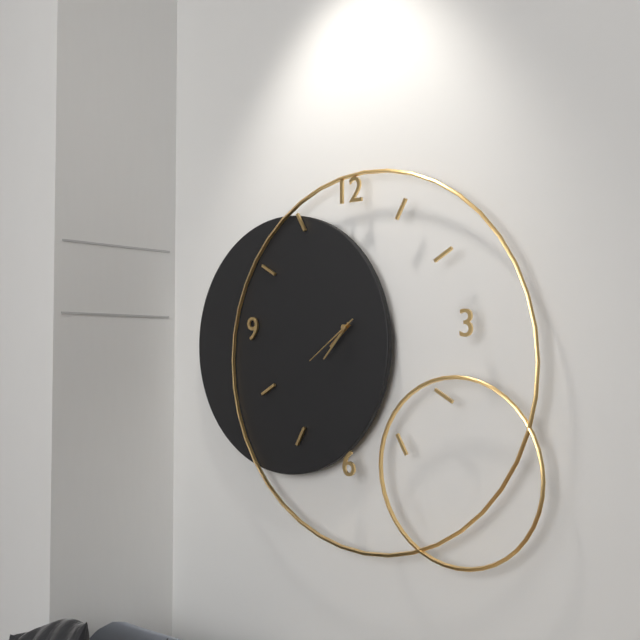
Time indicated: 7:37:39
